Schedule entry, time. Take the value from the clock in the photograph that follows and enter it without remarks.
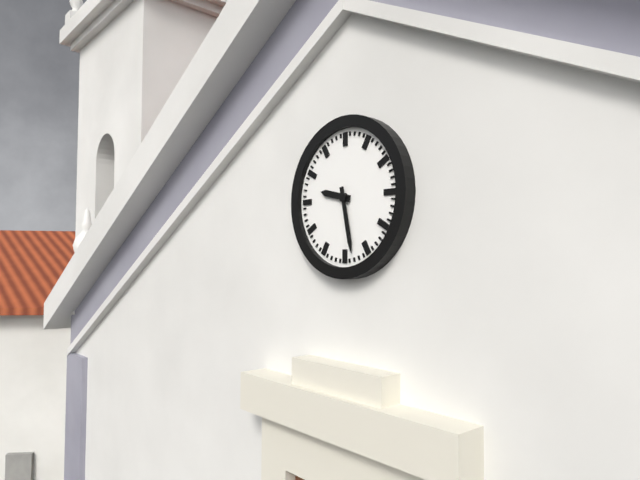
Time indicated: 9:28
